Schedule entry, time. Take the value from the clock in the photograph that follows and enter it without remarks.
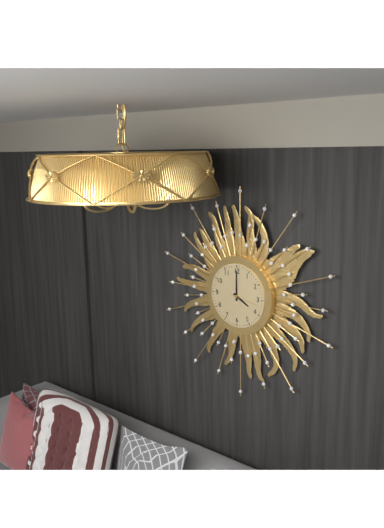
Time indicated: 4:00
